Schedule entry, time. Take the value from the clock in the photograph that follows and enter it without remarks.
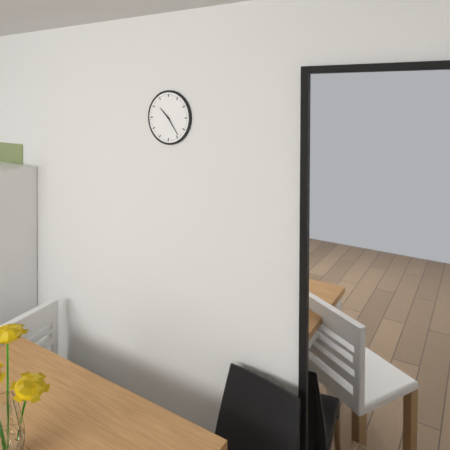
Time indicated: 10:24
